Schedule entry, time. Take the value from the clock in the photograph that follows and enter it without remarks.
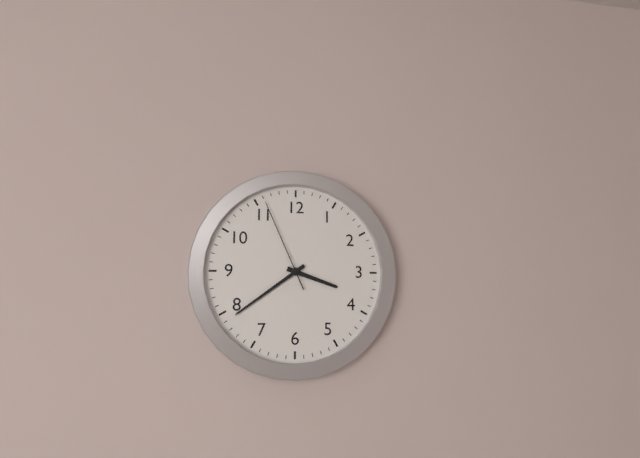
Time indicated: 3:39:56
